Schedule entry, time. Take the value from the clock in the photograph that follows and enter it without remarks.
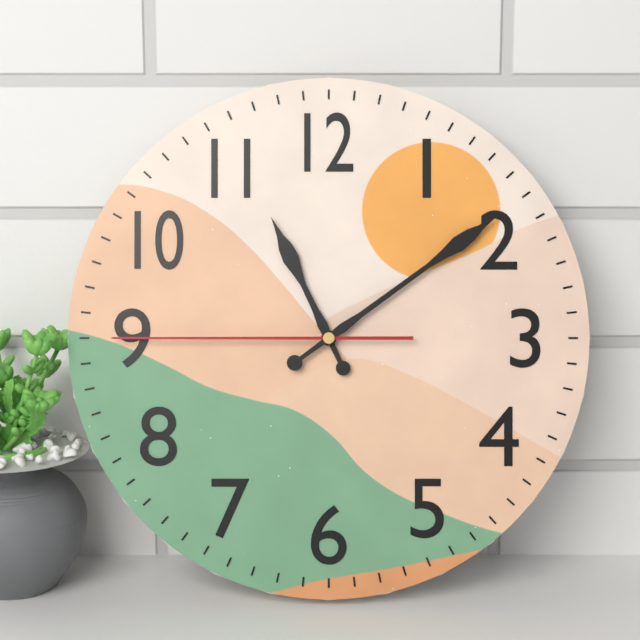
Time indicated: 11:09:45
